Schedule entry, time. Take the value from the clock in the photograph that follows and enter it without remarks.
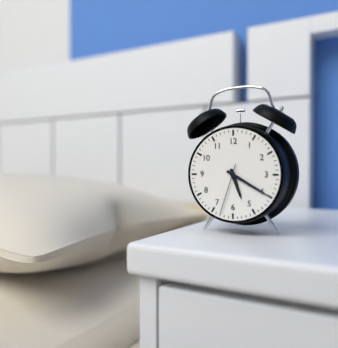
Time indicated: 5:20:33
